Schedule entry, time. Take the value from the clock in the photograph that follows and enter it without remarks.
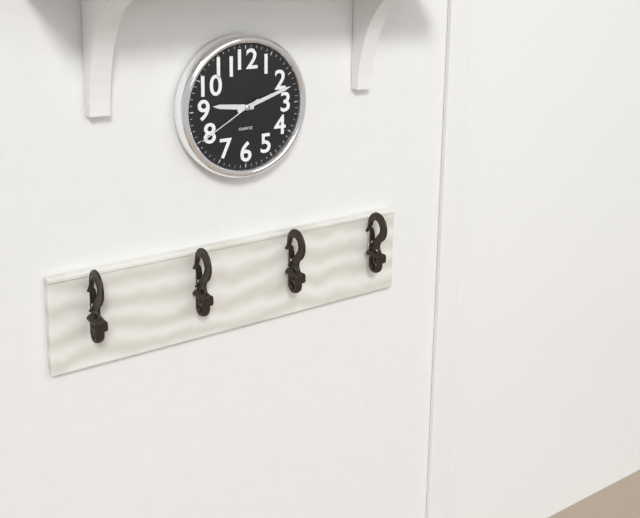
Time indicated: 9:12:40
